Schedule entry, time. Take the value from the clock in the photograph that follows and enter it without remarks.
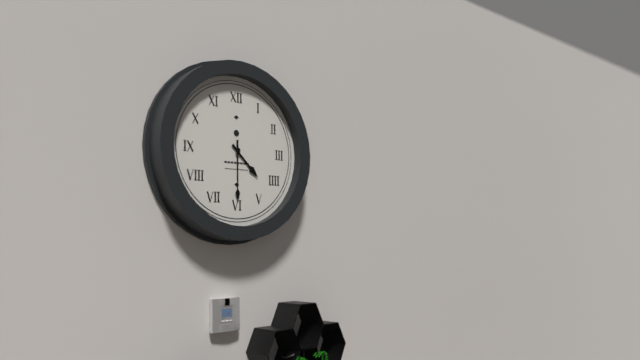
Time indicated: 4:30
